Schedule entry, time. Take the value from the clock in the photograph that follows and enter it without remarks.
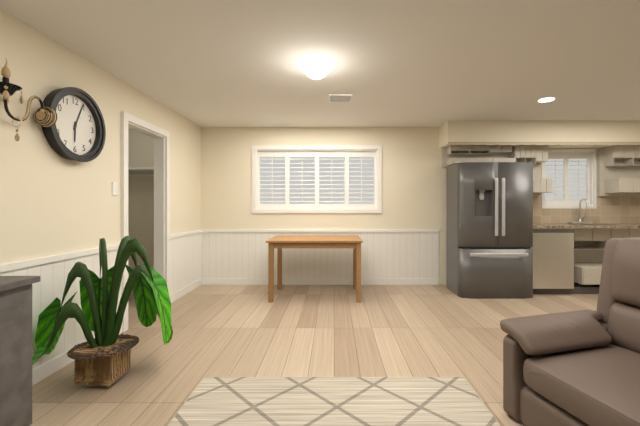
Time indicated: 6:04
